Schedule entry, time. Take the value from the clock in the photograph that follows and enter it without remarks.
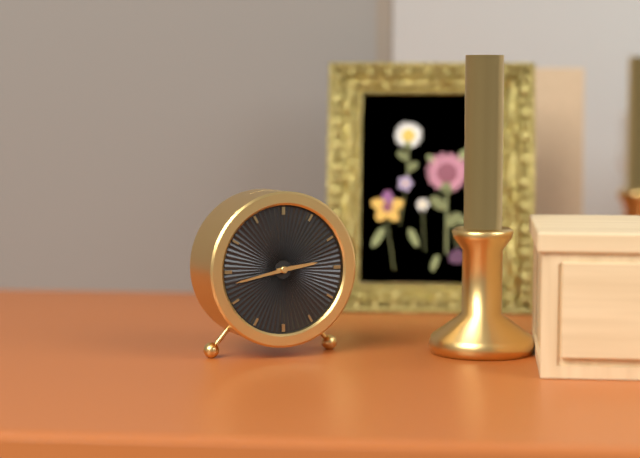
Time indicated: 2:43
